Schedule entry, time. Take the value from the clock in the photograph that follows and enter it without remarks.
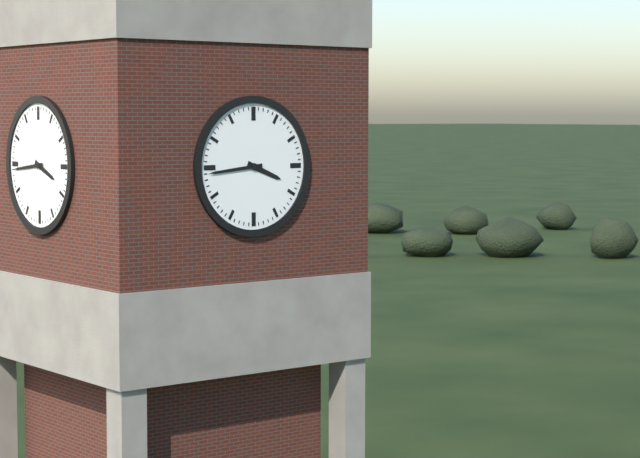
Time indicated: 3:44
